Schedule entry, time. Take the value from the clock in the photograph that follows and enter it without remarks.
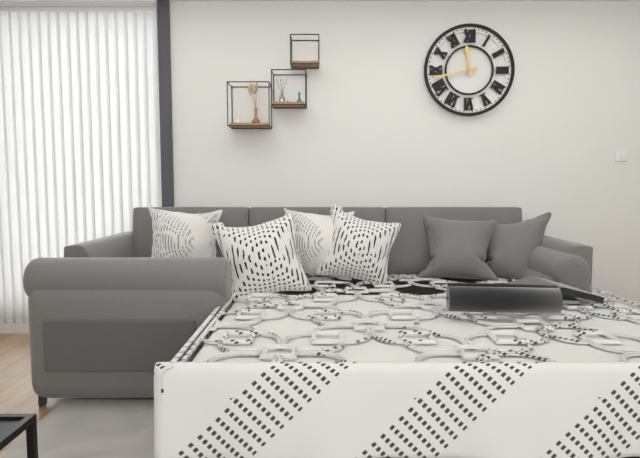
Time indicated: 11:43
